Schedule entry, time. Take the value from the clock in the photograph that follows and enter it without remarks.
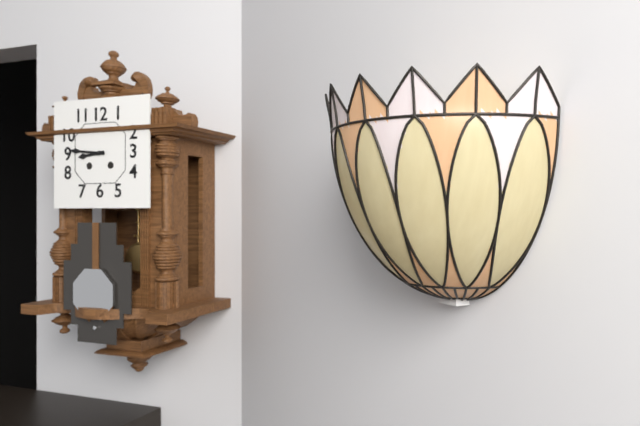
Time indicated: 8:46
